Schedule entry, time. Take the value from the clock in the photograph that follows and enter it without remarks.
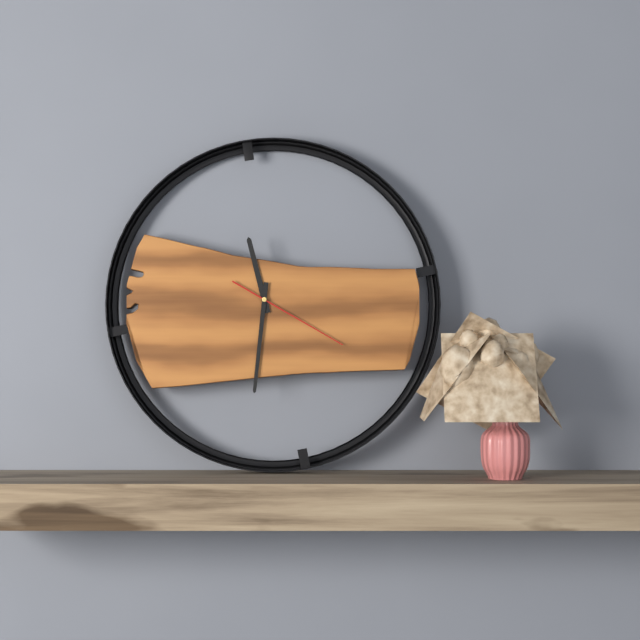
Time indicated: 11:31:20
